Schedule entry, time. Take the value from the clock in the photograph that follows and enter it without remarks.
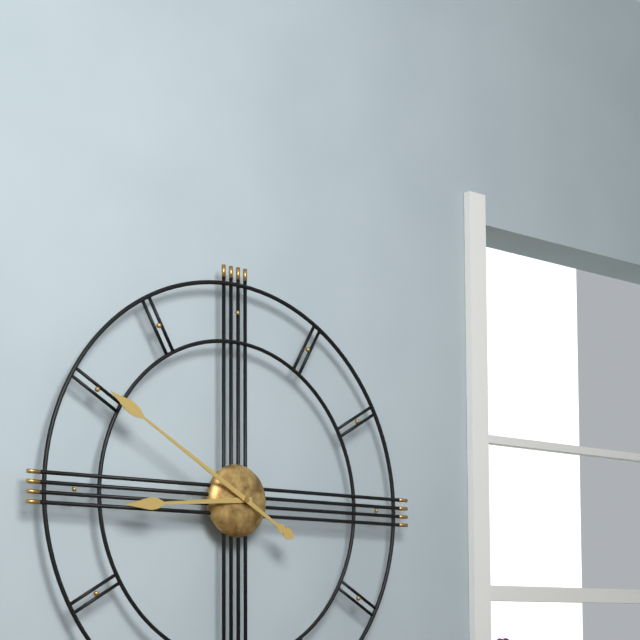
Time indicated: 8:50
